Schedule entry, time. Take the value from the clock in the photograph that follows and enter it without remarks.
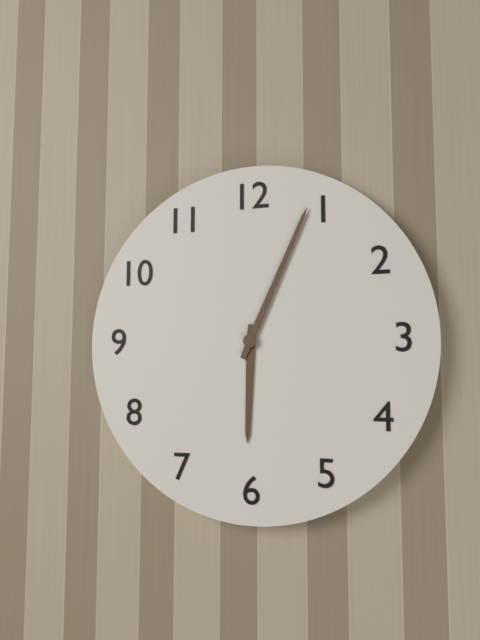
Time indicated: 6:04
